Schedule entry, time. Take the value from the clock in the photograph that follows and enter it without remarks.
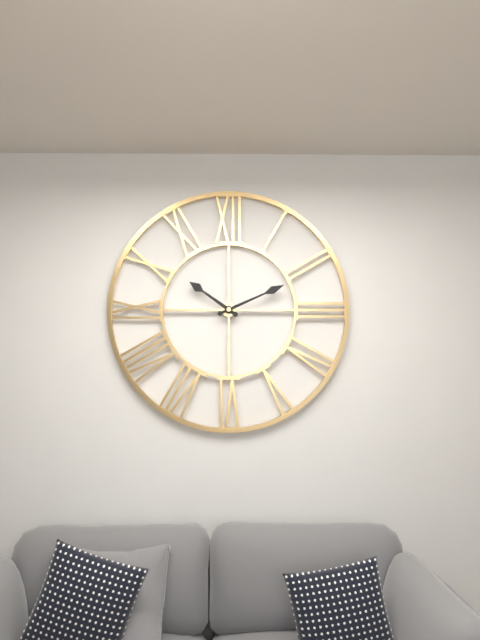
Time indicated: 10:11
